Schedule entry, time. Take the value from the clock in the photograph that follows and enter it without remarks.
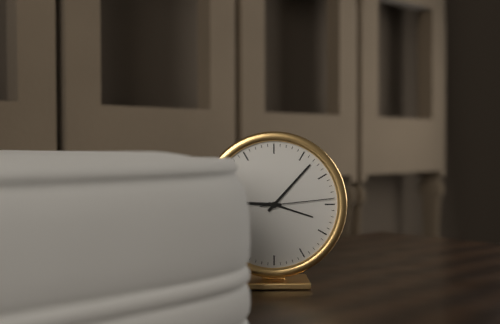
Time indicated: 9:07:14
